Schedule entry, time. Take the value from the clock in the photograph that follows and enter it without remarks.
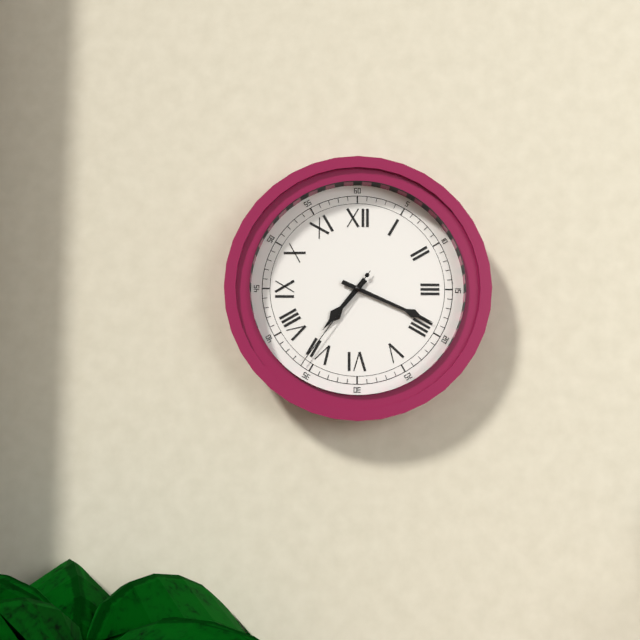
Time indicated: 7:19:36
